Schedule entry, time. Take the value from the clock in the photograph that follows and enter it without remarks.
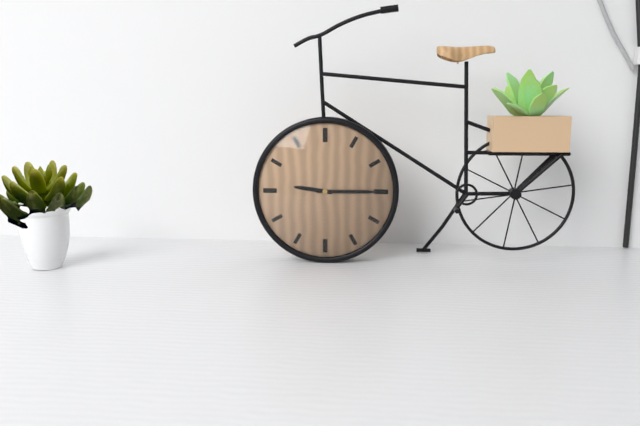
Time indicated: 9:15
